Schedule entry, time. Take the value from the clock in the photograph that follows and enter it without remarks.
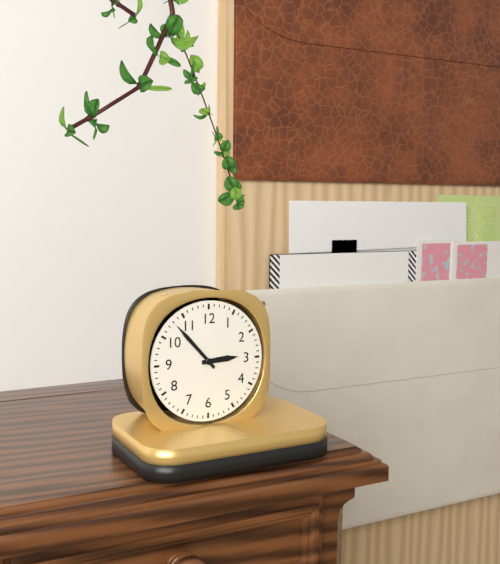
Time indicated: 2:53
